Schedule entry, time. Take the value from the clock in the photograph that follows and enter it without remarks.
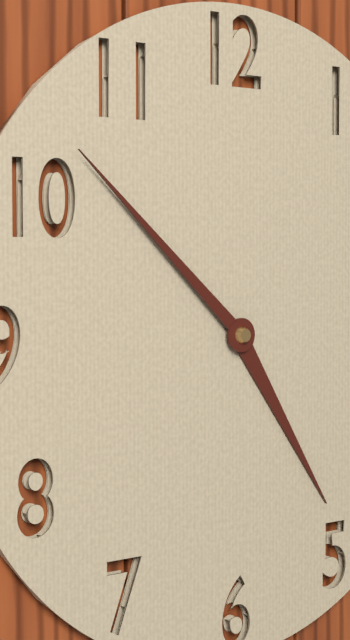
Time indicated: 4:52
